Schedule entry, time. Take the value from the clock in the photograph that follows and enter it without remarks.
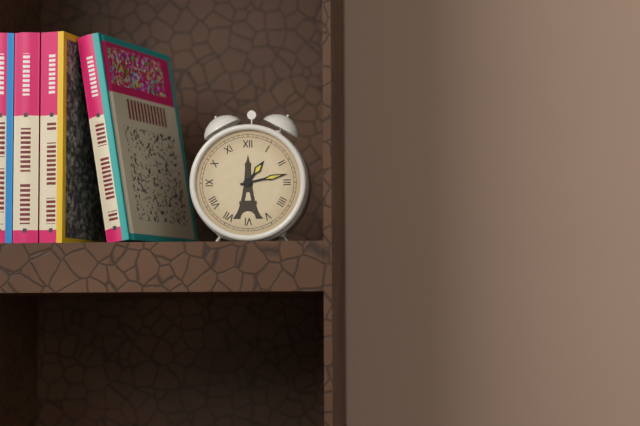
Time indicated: 1:13
